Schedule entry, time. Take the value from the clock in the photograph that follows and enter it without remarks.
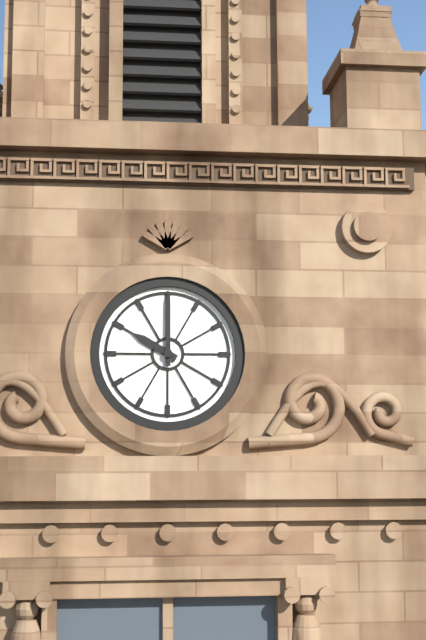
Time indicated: 10:00
